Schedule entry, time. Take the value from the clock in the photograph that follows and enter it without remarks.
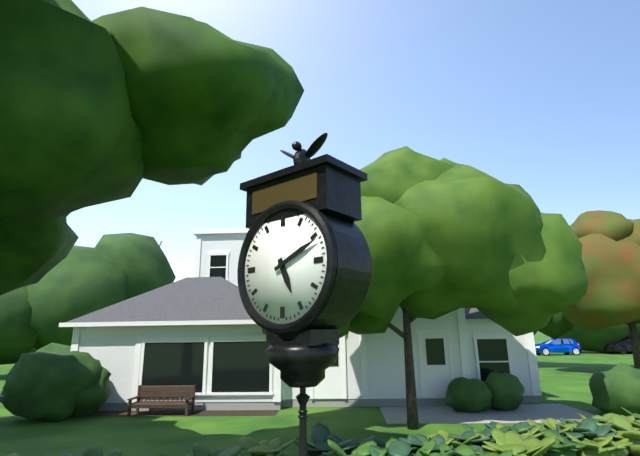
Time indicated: 5:11
